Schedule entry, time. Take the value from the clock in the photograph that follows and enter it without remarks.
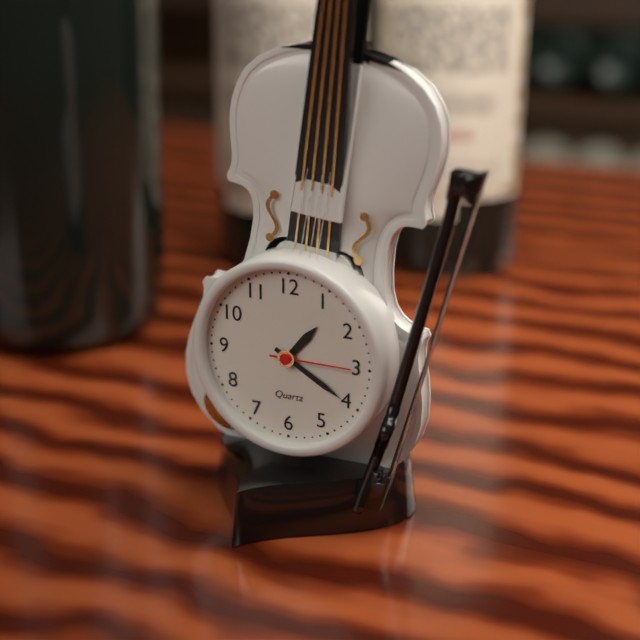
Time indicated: 1:20:15
